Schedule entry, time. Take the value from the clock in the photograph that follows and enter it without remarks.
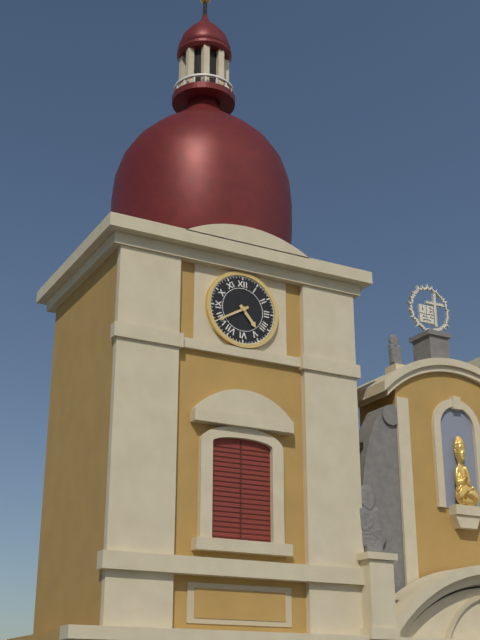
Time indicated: 4:40
